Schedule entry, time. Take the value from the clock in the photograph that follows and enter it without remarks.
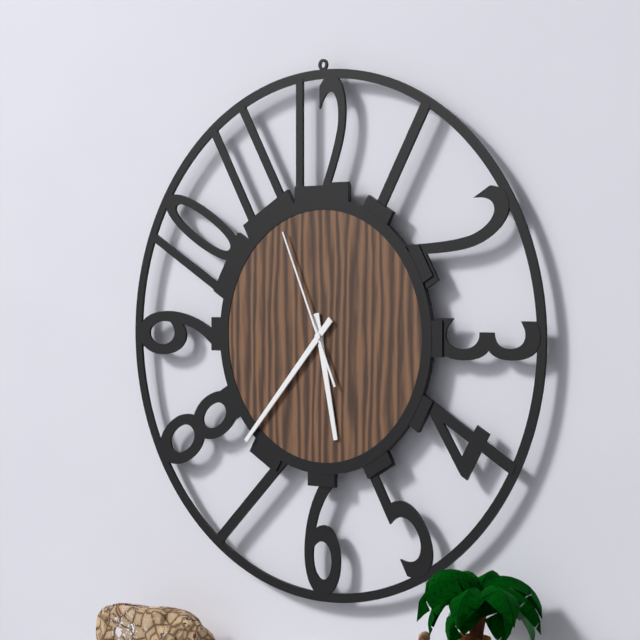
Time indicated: 5:37:56
